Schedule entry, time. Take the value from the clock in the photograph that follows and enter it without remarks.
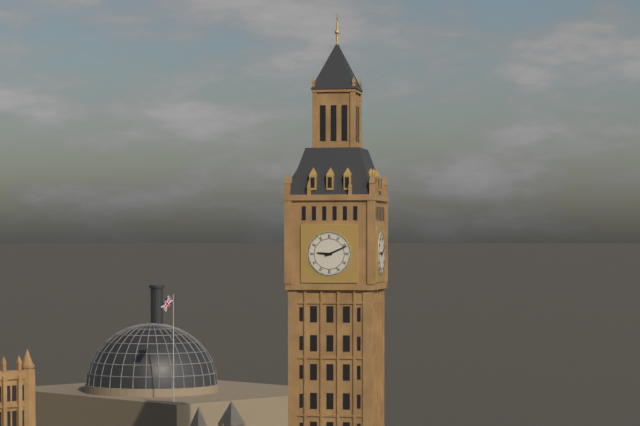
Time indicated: 9:11
